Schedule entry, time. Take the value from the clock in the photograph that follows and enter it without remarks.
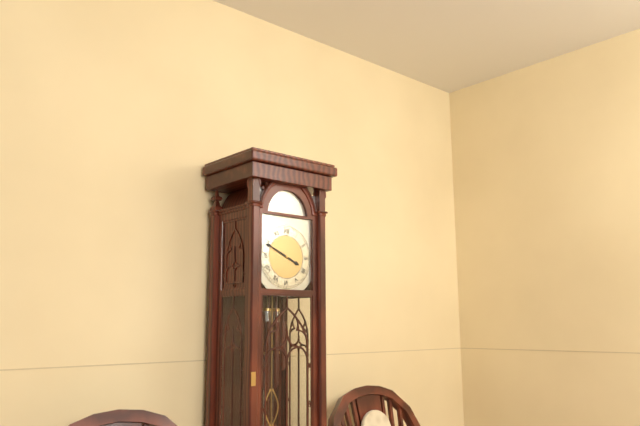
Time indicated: 3:49
